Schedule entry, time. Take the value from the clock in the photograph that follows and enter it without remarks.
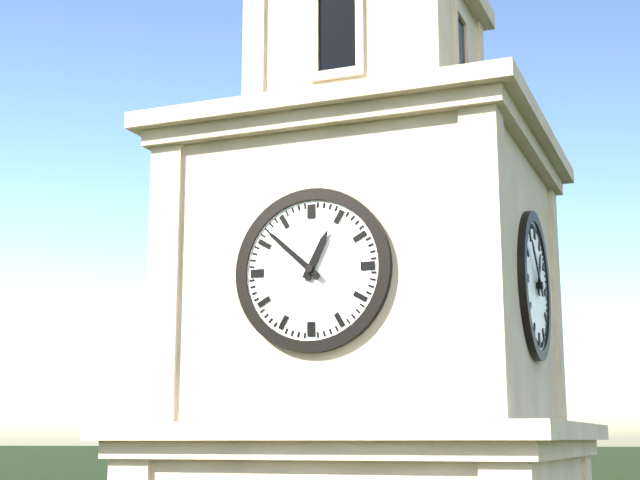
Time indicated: 12:52
